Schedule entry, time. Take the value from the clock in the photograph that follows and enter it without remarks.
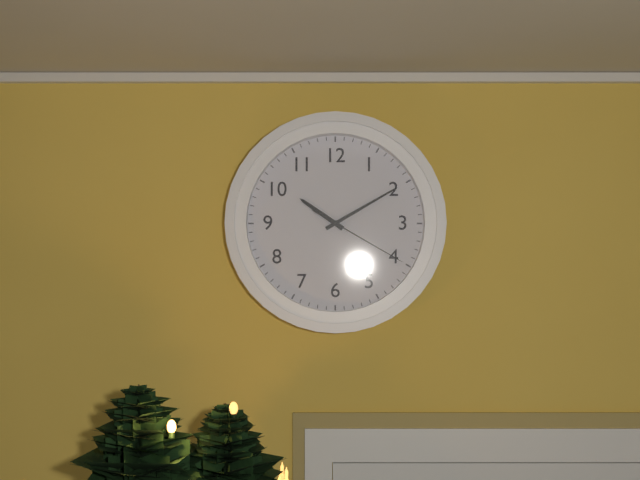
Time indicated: 10:10:20
